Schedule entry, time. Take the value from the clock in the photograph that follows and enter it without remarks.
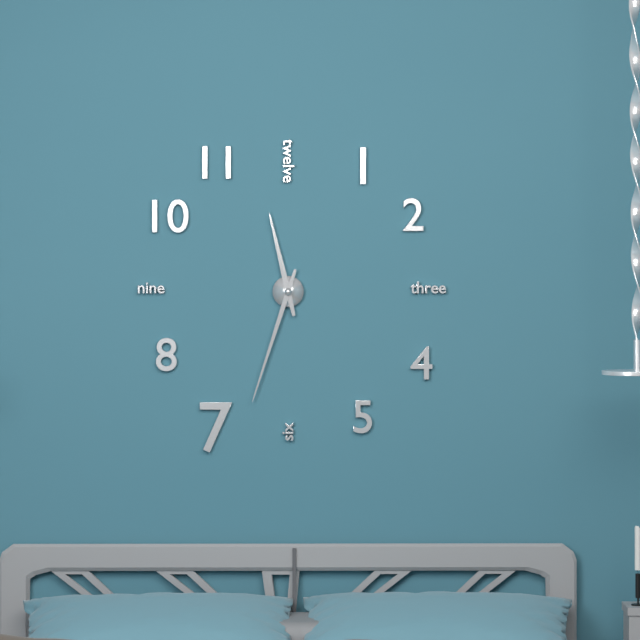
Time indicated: 11:33
